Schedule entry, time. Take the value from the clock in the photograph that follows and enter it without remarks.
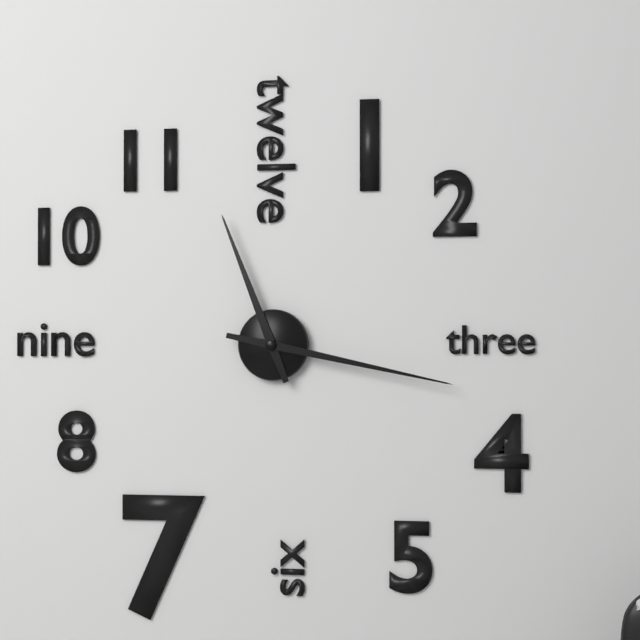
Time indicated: 11:17
